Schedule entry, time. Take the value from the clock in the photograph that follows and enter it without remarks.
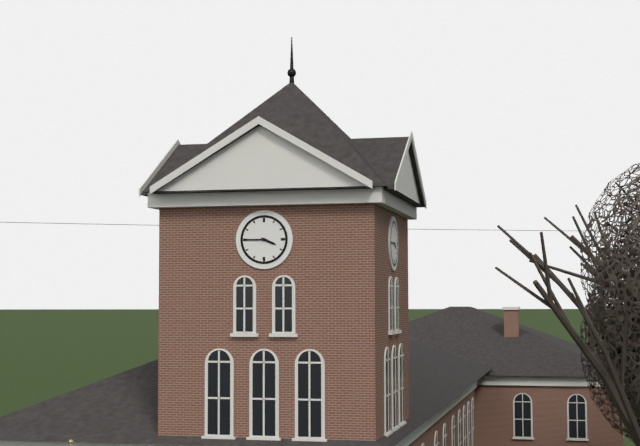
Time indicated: 3:45
